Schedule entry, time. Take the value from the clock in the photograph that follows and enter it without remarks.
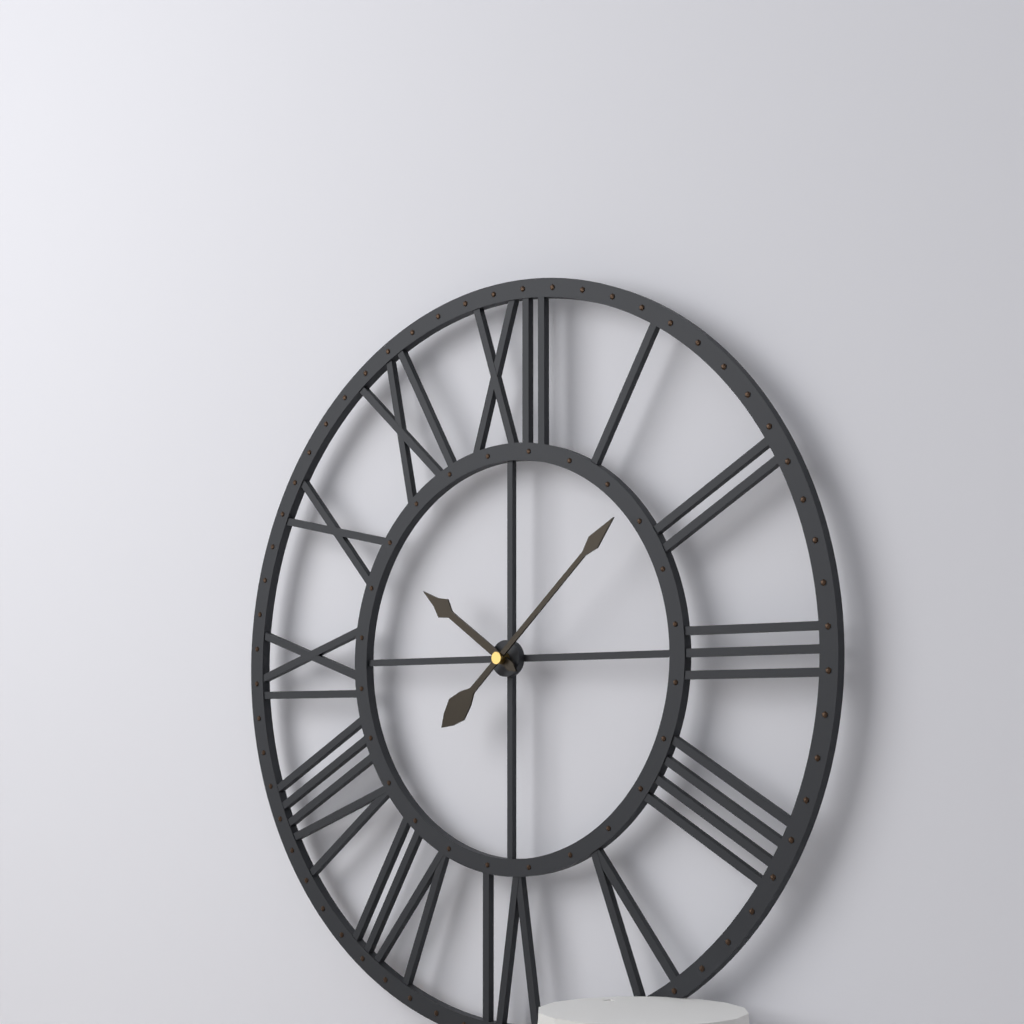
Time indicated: 10:08
